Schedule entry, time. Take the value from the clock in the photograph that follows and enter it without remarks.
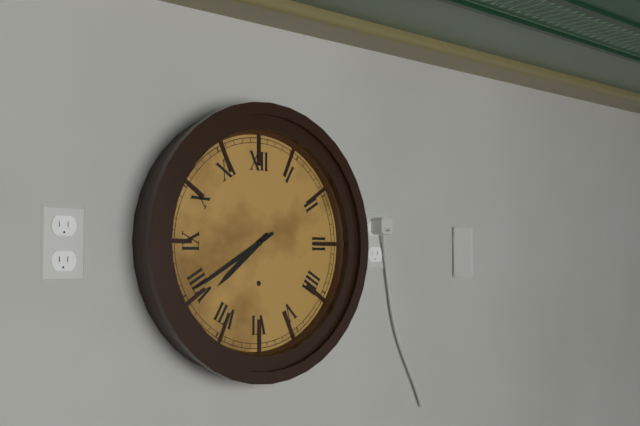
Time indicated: 7:40
